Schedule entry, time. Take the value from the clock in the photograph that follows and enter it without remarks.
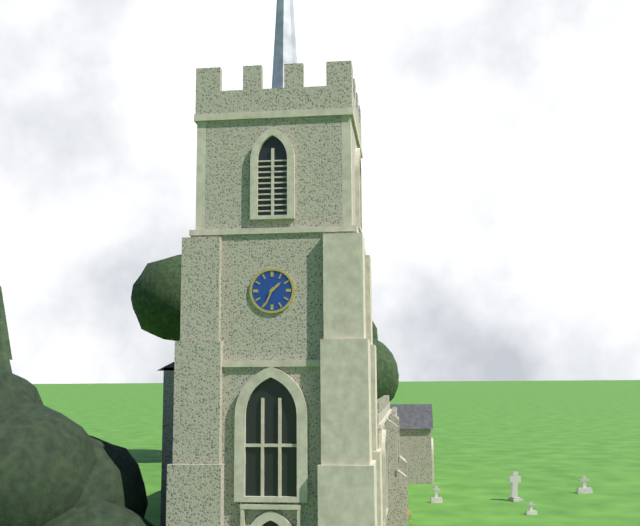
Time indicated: 1:34
